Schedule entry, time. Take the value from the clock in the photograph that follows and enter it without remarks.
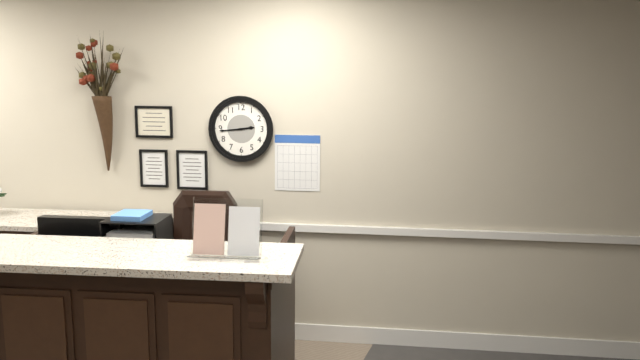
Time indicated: 2:44
